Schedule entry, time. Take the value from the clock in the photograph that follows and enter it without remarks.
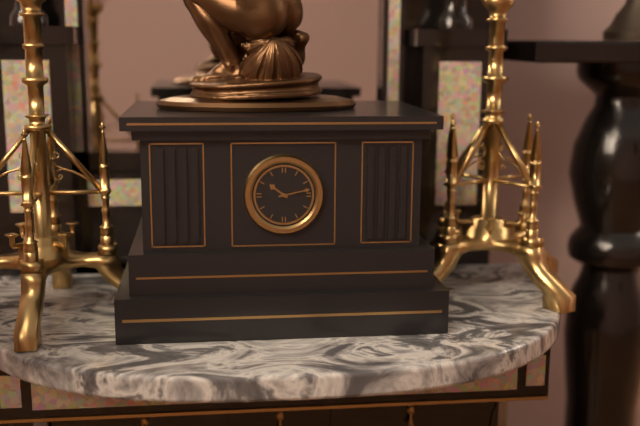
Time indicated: 10:13
